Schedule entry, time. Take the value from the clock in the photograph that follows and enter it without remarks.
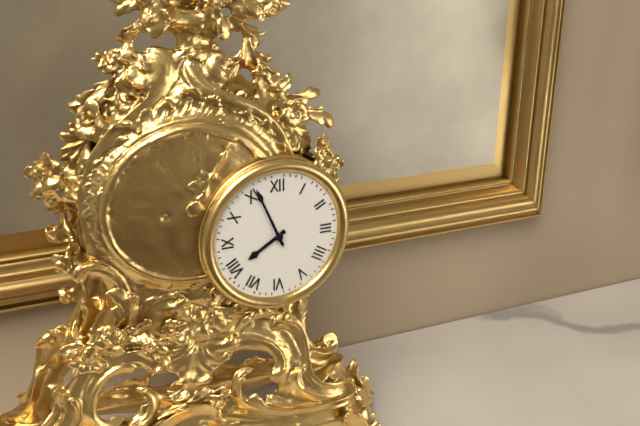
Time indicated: 7:56
